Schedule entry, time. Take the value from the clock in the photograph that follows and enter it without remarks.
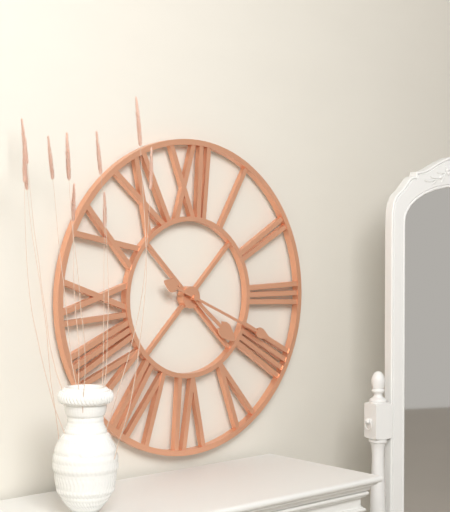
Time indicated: 4:19
